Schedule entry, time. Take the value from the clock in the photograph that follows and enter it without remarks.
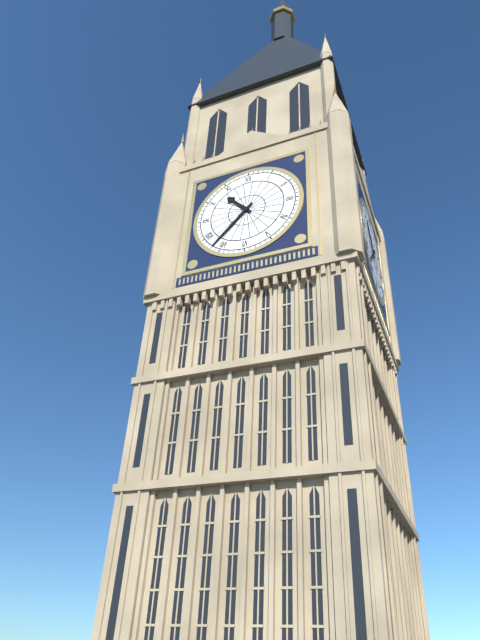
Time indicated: 10:37
